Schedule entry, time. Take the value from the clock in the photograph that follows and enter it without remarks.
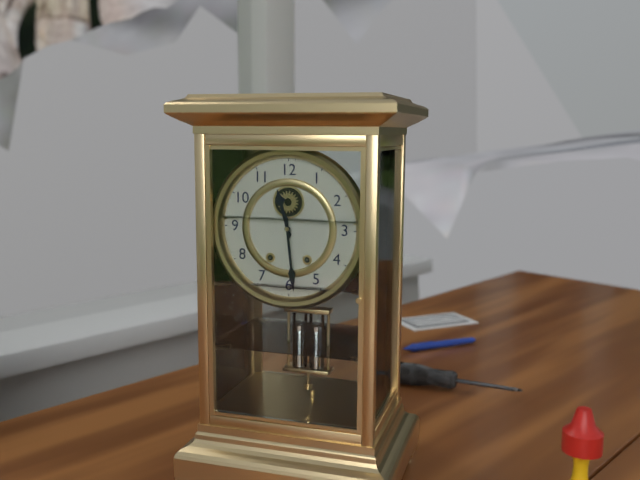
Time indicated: 11:29
